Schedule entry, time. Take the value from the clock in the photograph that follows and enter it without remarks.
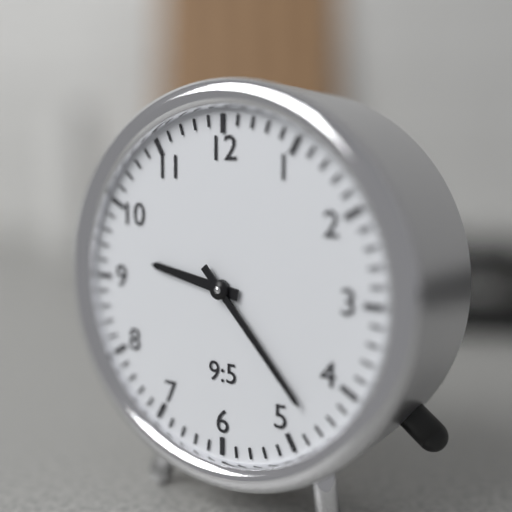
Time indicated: 9:23
